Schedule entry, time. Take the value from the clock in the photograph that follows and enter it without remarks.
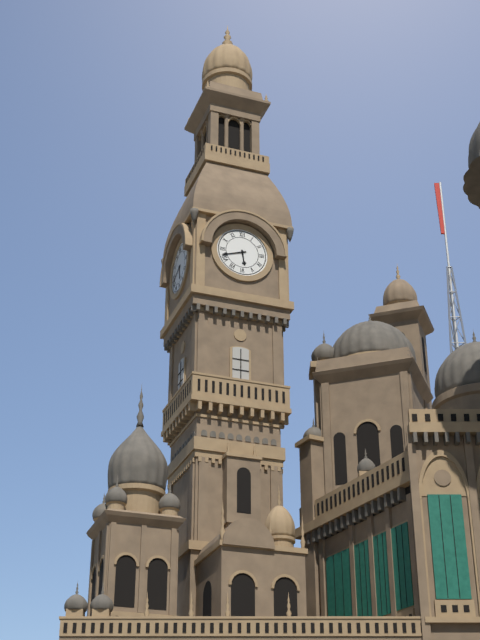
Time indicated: 5:42
